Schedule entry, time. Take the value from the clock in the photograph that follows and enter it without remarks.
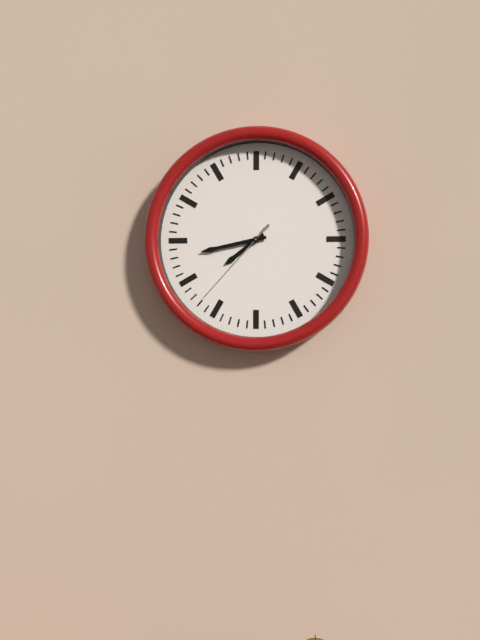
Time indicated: 7:43:37
